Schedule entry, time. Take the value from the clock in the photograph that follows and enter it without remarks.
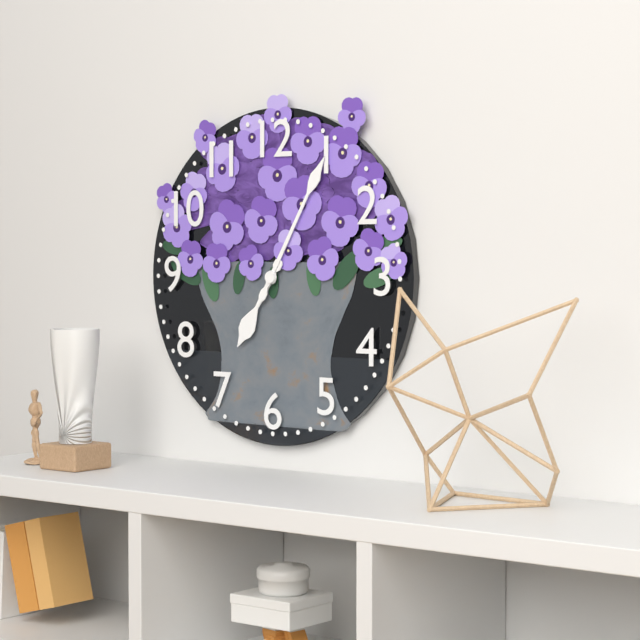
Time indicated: 7:05
